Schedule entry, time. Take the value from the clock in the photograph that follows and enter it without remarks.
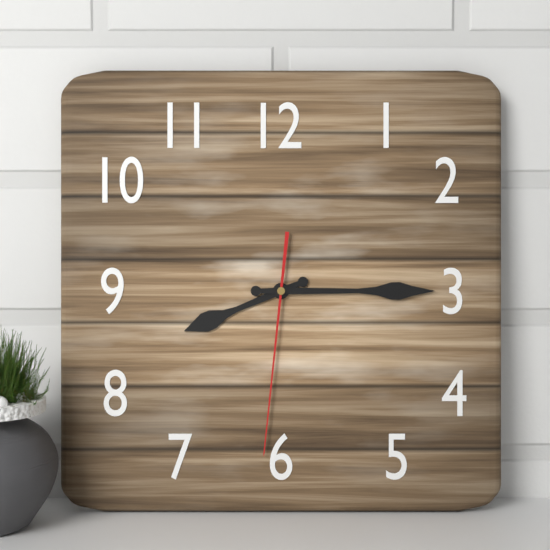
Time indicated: 8:15:31
